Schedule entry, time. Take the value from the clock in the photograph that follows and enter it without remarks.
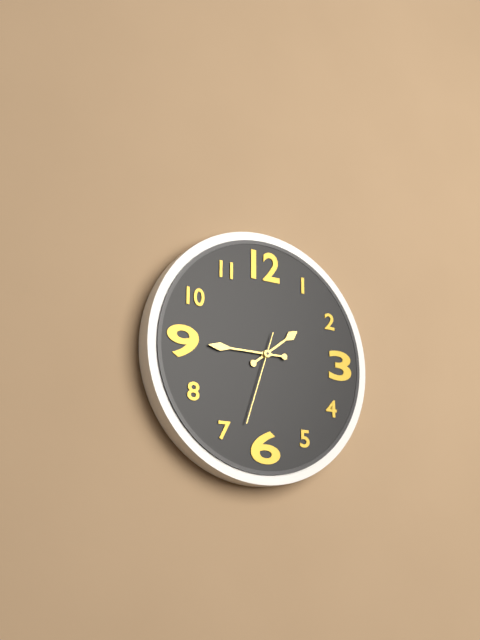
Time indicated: 1:45:33
